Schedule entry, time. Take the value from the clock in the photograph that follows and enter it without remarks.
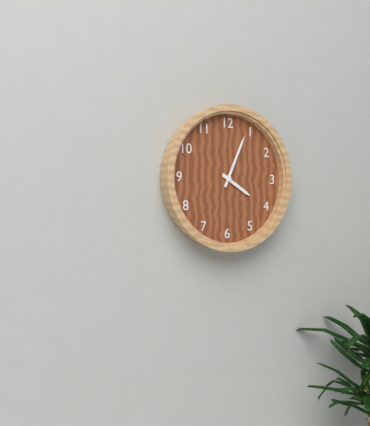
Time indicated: 4:04
